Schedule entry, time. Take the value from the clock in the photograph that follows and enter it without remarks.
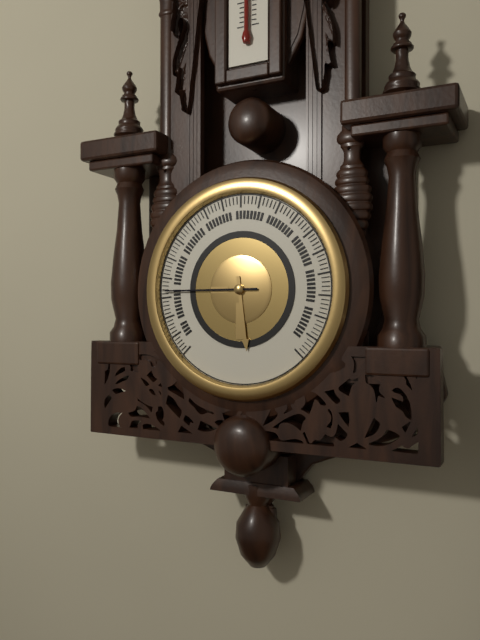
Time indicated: 5:45
